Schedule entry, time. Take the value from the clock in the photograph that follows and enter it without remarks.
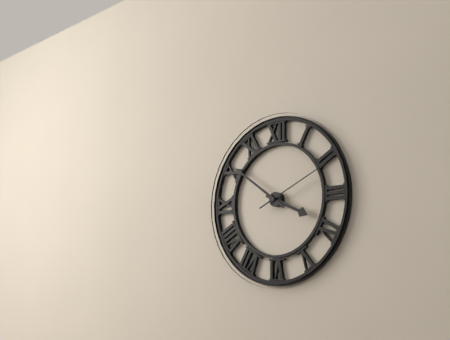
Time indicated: 3:51:11
